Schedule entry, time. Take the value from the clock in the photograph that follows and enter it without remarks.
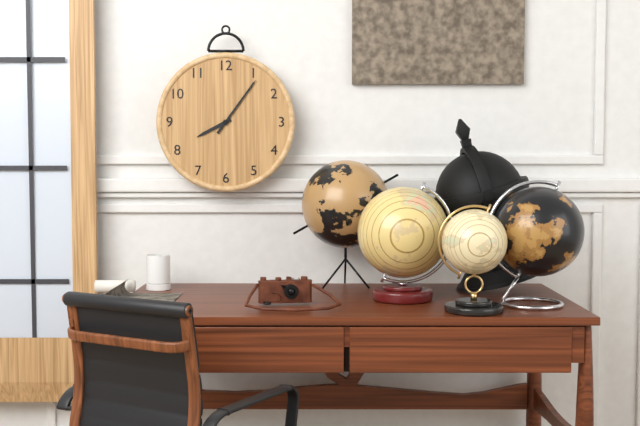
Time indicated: 8:06
